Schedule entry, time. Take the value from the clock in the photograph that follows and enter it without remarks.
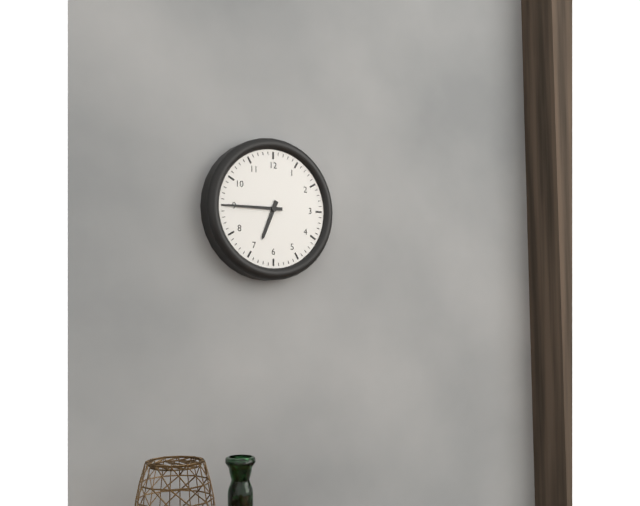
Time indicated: 6:45
